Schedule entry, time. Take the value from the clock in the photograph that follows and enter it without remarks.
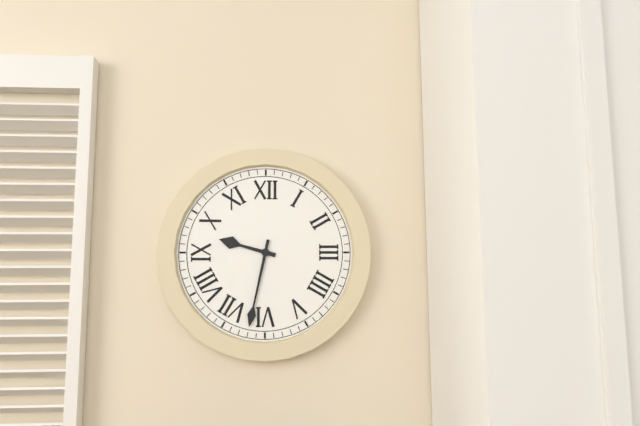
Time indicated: 9:32
